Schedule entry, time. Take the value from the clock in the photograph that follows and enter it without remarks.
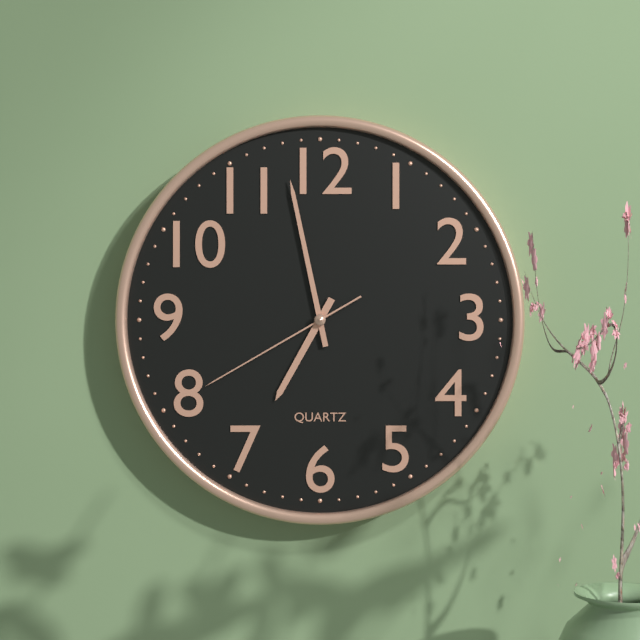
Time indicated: 6:58:40
